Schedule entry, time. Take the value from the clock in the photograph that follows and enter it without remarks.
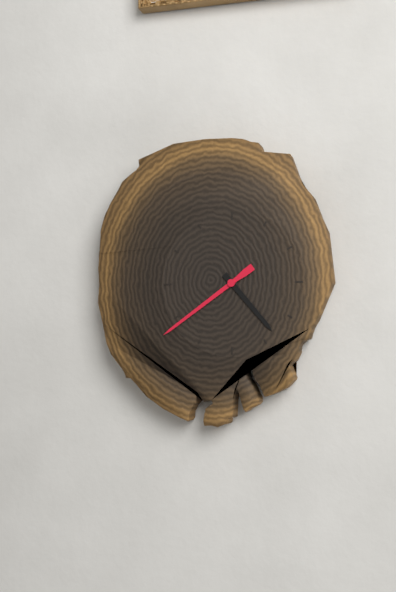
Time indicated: 4:39
